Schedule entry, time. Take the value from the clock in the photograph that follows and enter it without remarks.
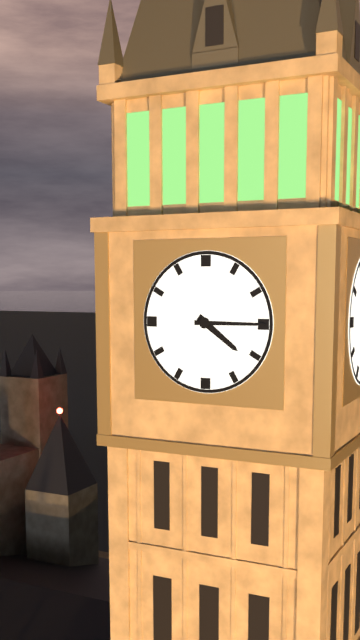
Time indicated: 4:15
